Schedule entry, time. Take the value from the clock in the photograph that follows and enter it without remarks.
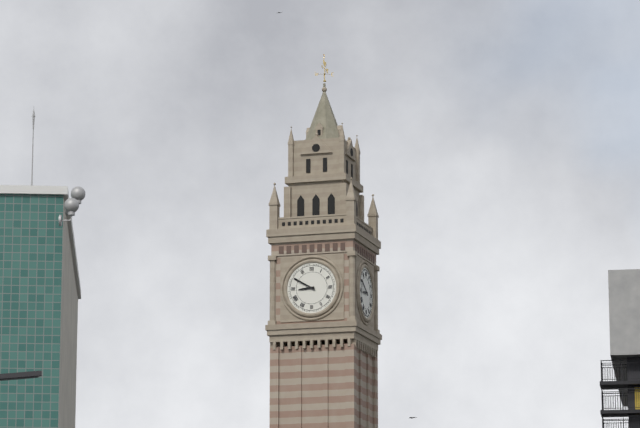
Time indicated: 8:50
